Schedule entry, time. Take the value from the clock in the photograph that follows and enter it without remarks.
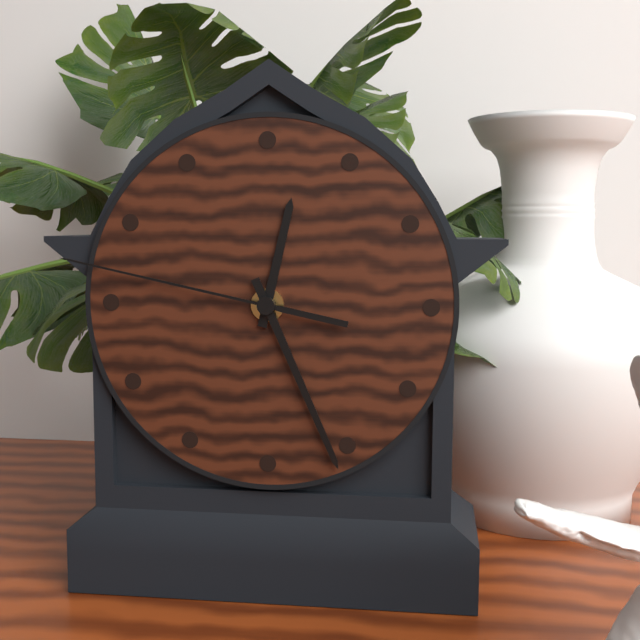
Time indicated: 12:26:47
